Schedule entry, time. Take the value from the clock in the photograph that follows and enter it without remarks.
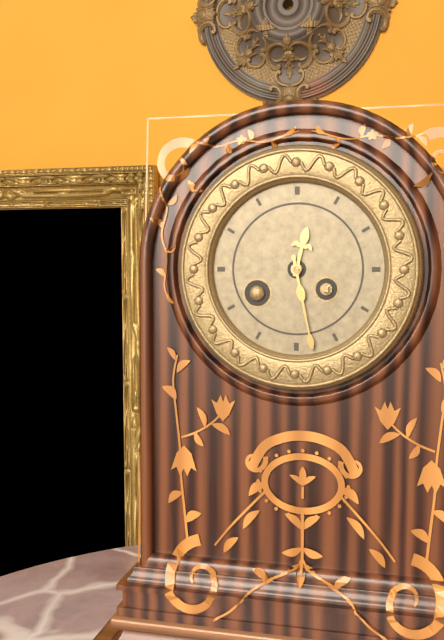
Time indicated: 12:28
